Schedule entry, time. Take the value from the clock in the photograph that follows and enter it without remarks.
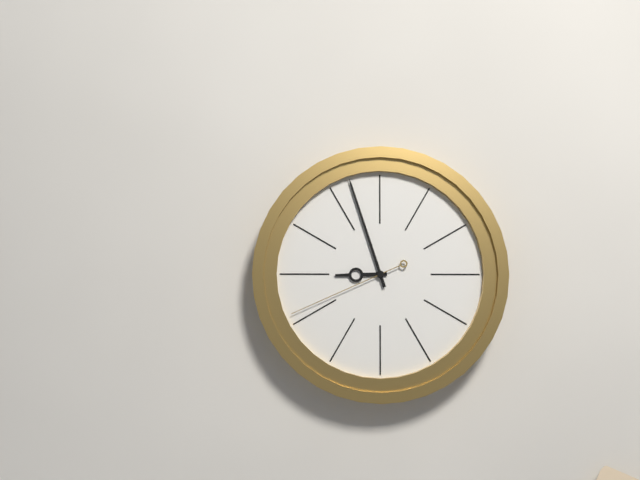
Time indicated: 8:57:41
